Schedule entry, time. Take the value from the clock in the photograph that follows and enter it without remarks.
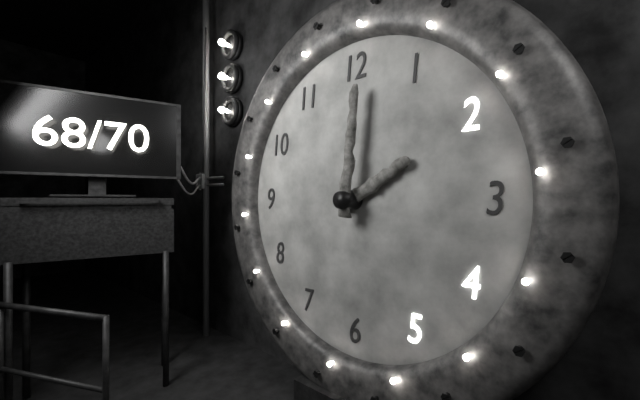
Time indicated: 2:01
